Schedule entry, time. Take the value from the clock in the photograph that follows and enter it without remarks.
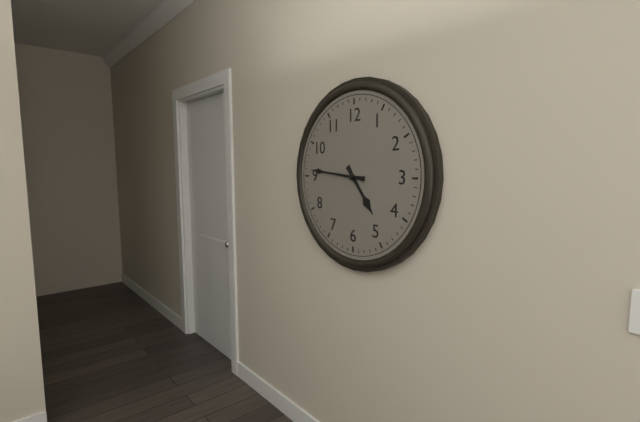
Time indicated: 4:46
